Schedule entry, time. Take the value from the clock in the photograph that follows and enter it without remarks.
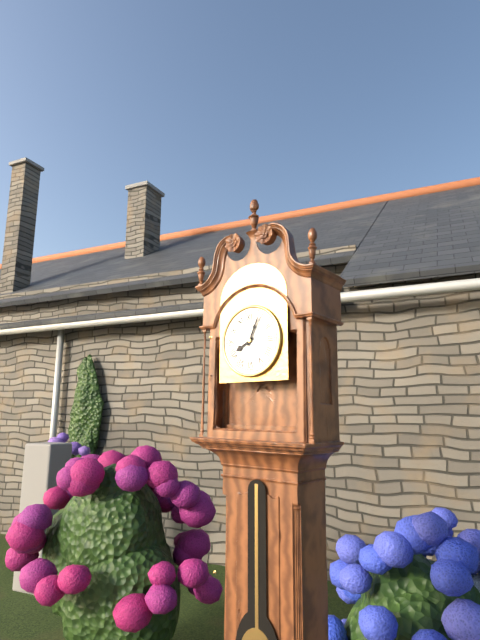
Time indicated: 8:04
